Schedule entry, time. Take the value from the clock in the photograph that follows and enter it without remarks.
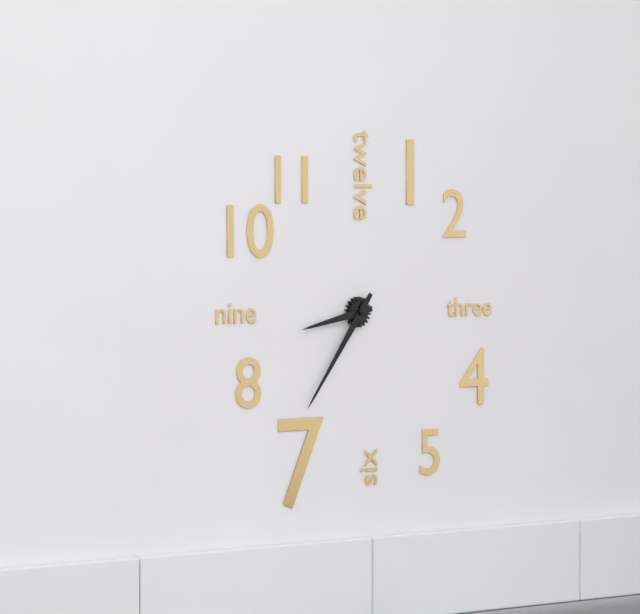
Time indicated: 8:36
